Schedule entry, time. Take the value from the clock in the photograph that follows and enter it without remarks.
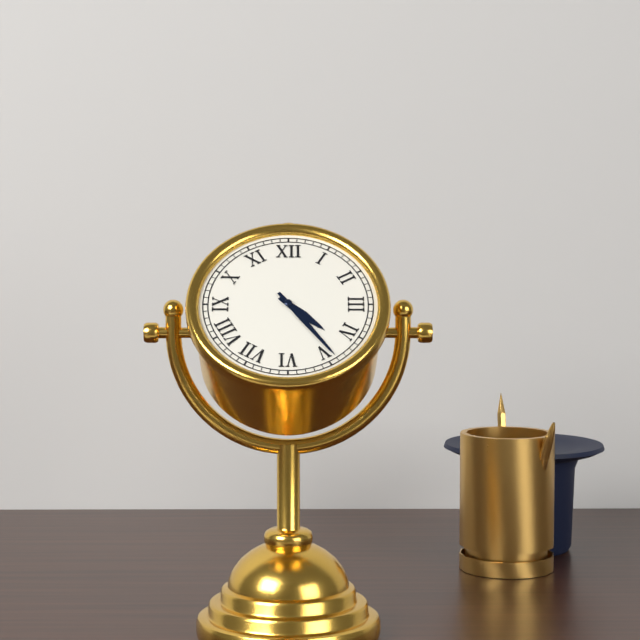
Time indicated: 4:24
